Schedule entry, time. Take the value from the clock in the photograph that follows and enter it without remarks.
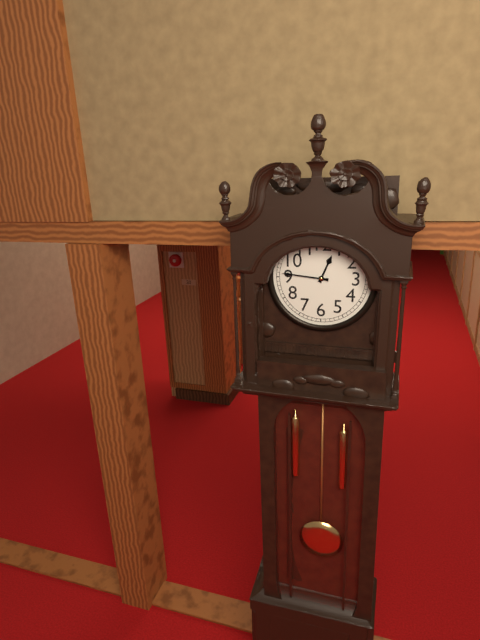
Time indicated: 12:46
